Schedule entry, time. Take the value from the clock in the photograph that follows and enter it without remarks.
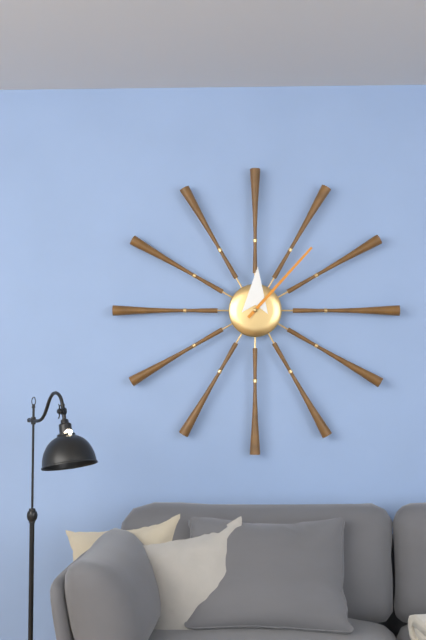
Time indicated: 12:07
